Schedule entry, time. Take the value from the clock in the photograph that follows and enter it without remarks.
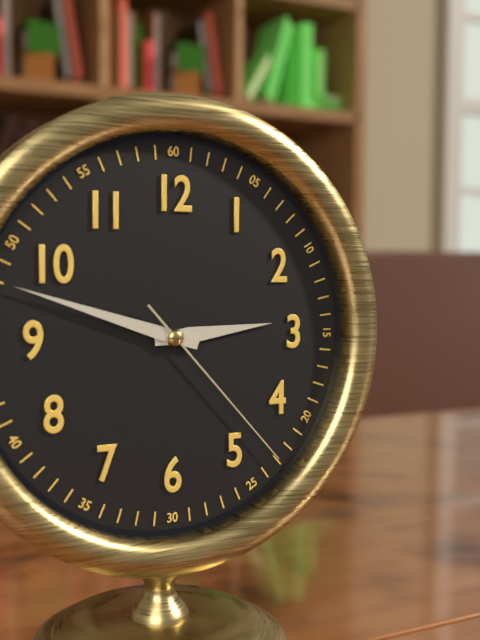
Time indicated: 2:48:23
